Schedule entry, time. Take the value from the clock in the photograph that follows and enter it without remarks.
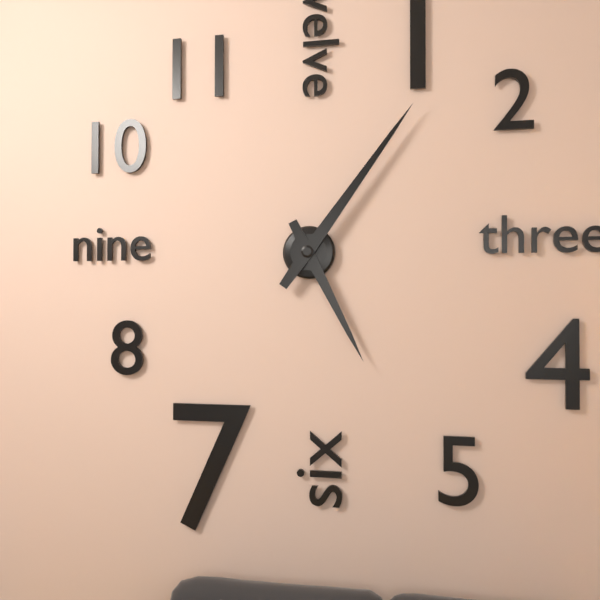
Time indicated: 5:06
